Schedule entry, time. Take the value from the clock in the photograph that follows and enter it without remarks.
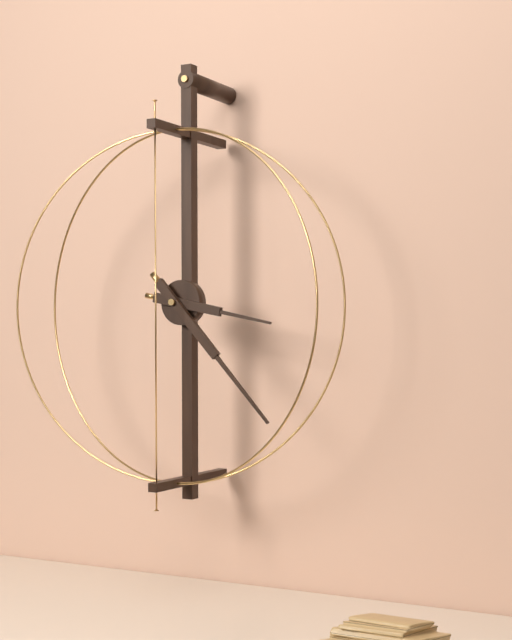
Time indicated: 3:23
